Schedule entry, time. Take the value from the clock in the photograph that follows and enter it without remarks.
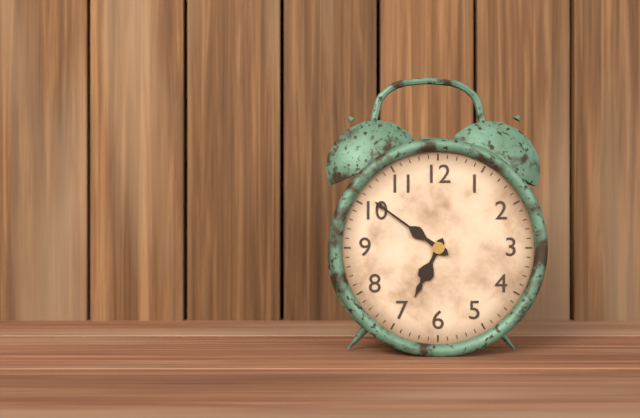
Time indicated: 6:51
